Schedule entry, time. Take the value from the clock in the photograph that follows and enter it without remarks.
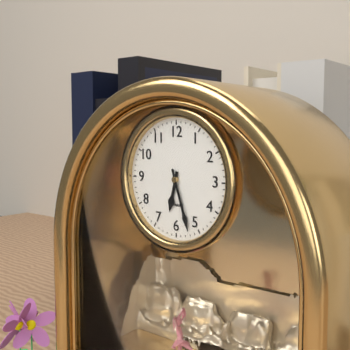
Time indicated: 6:27
